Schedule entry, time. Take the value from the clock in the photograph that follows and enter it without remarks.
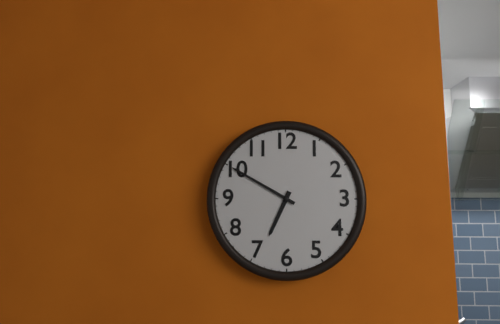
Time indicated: 6:50
